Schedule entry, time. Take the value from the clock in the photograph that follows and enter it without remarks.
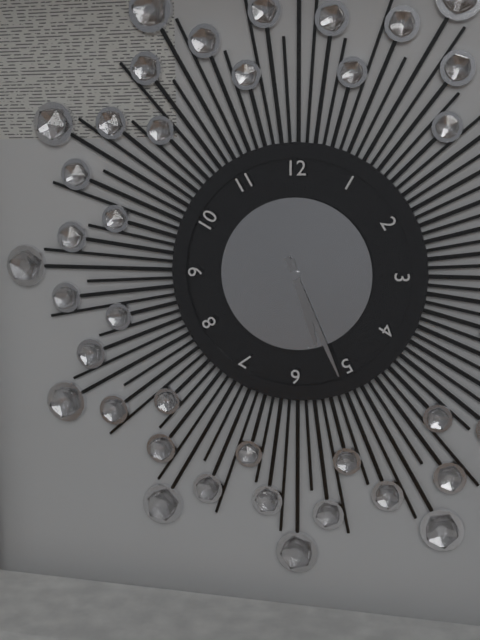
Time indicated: 5:26
